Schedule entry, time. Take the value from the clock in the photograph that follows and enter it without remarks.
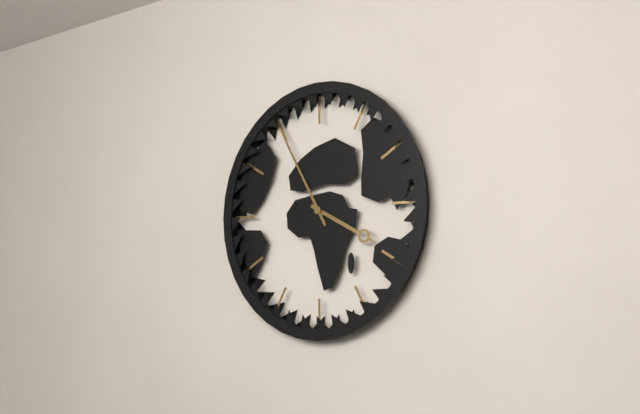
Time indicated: 3:55
